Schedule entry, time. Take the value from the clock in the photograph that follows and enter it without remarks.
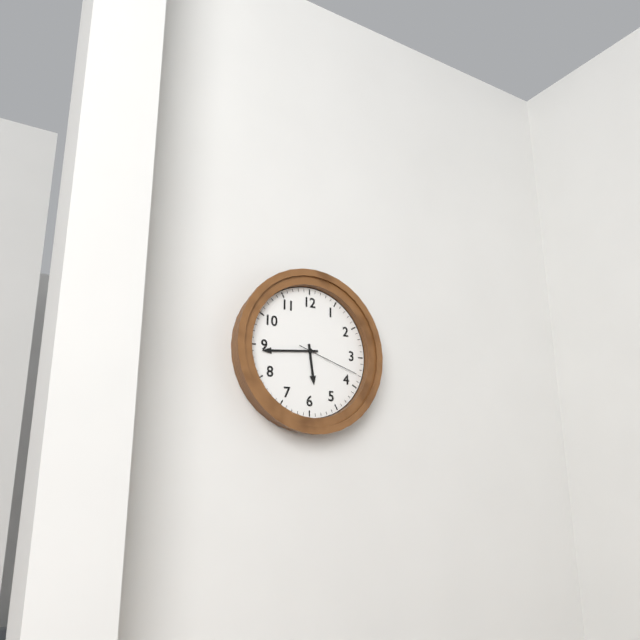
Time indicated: 5:44:18
